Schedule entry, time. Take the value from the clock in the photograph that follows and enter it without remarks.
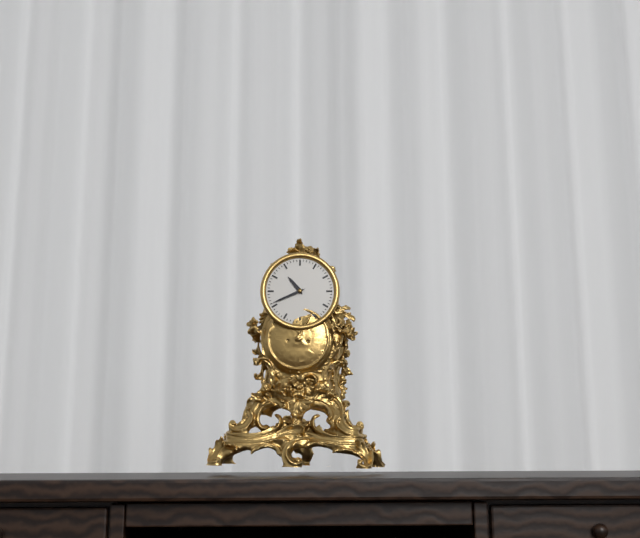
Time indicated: 10:41
